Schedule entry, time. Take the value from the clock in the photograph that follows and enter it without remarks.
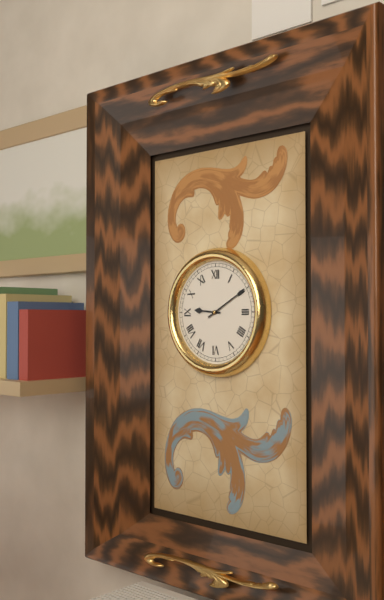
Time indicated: 9:10
